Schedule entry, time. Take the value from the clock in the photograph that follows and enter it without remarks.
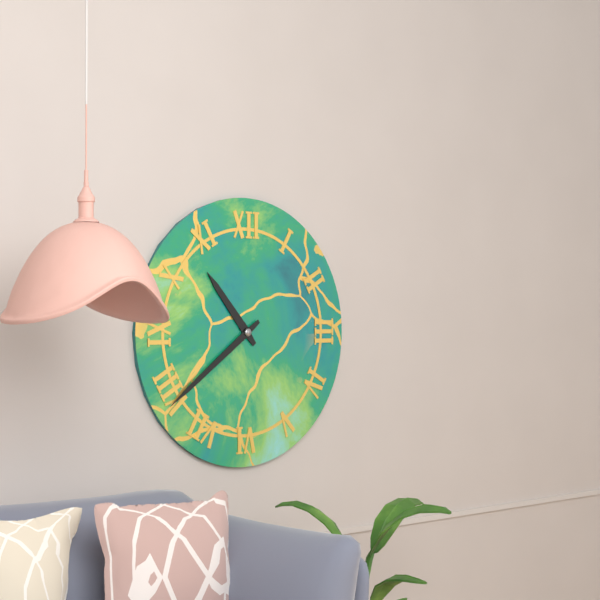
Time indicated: 10:39
